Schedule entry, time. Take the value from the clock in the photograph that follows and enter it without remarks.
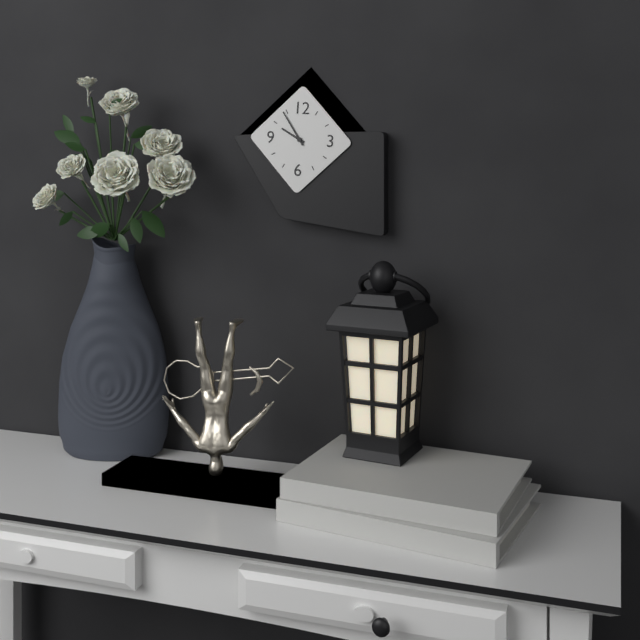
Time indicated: 9:54
